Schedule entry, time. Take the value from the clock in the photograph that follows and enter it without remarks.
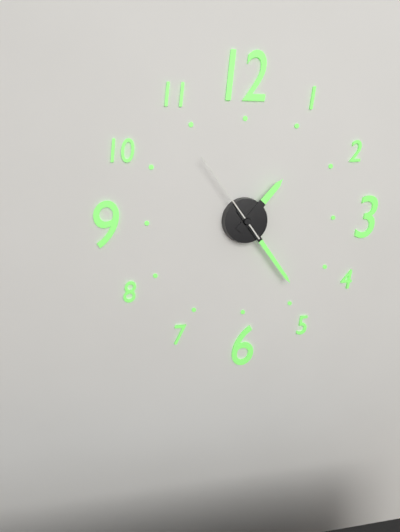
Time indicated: 1:24:54
